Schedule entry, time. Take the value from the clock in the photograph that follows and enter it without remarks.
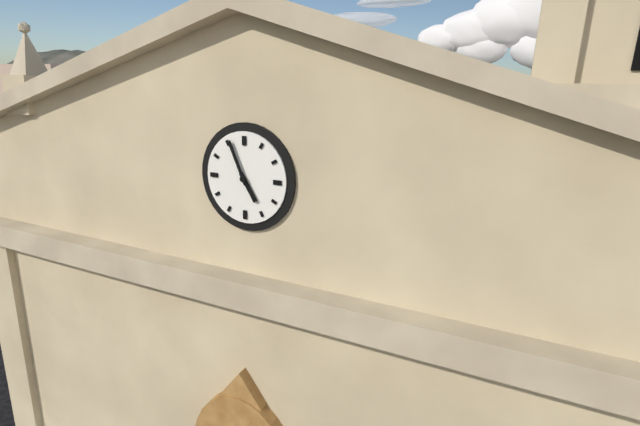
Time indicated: 4:56
